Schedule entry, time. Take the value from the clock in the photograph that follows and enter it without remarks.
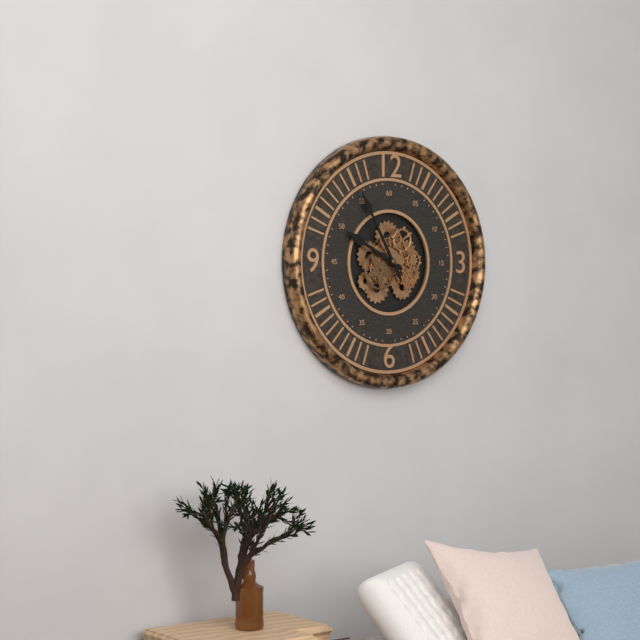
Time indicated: 9:55
